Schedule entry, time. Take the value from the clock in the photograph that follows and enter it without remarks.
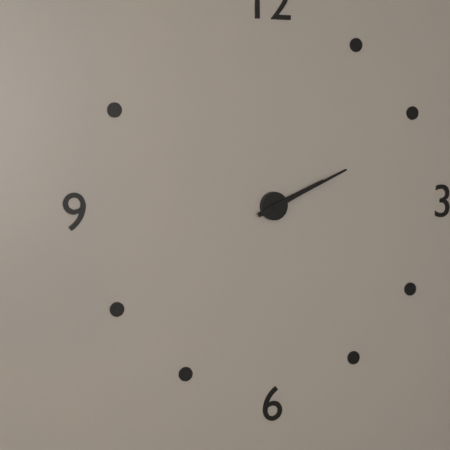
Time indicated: 2:11
